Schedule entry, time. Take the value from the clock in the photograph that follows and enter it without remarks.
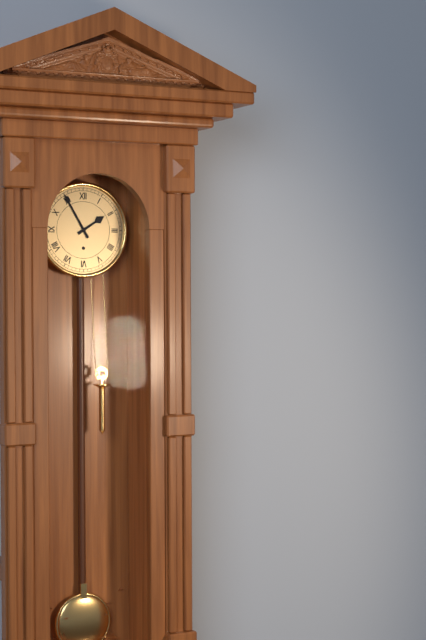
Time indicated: 1:55
